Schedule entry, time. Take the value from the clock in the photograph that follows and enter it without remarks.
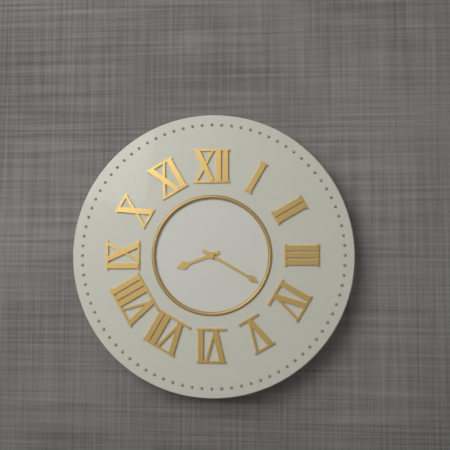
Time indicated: 8:20
